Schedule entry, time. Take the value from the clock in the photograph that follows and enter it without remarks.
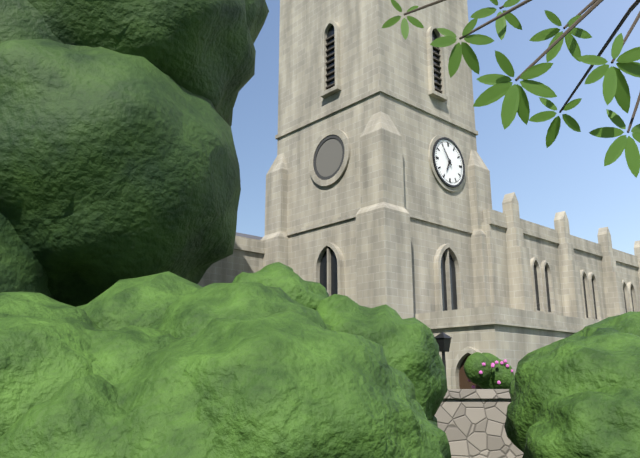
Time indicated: 6:54
